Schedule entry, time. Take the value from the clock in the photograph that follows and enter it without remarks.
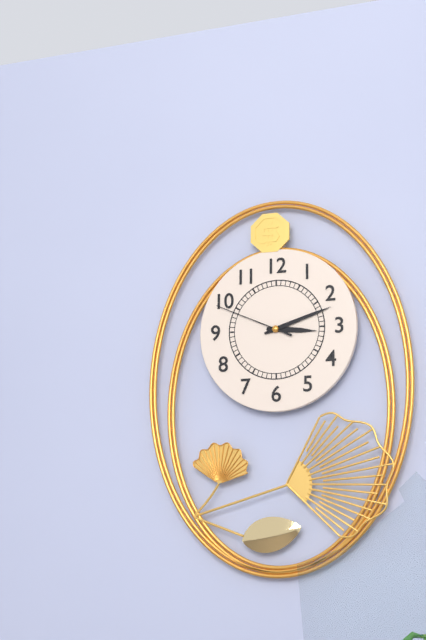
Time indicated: 3:12:49
